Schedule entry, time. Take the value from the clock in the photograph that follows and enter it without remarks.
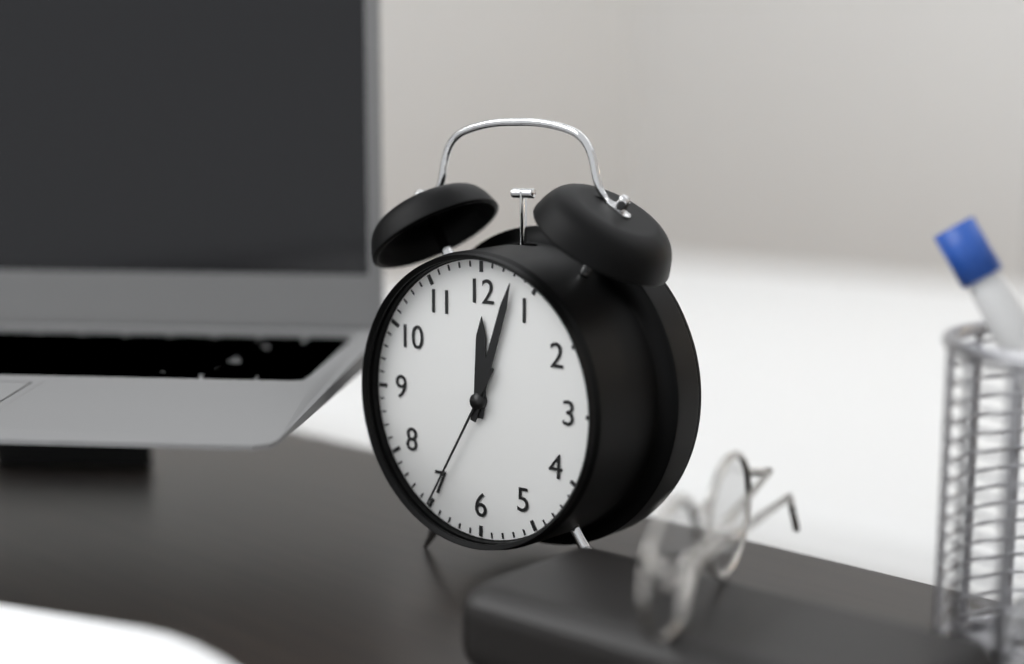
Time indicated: 12:03:35
